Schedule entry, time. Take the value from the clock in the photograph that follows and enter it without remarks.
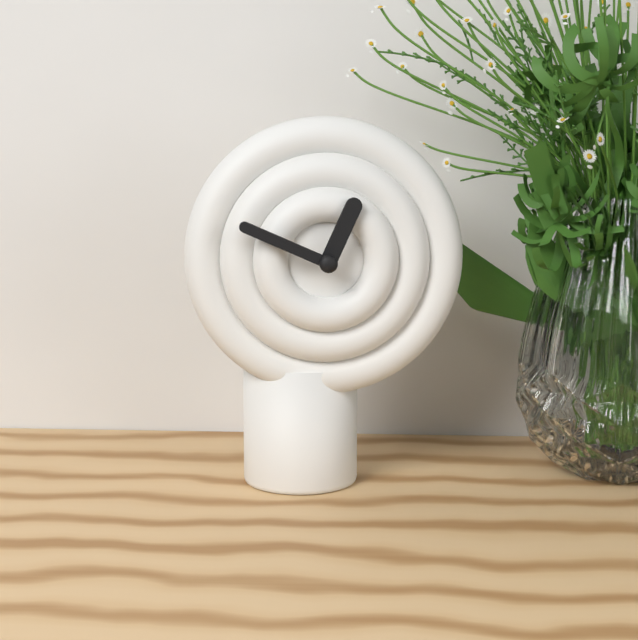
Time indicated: 12:49
